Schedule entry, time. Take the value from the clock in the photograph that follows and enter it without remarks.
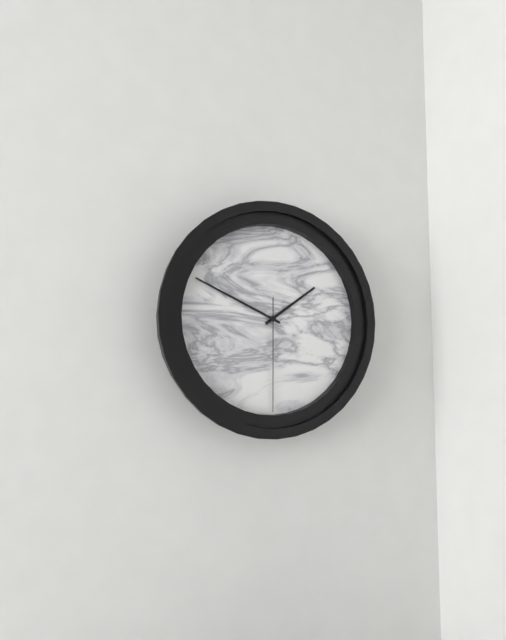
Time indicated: 1:49:30
